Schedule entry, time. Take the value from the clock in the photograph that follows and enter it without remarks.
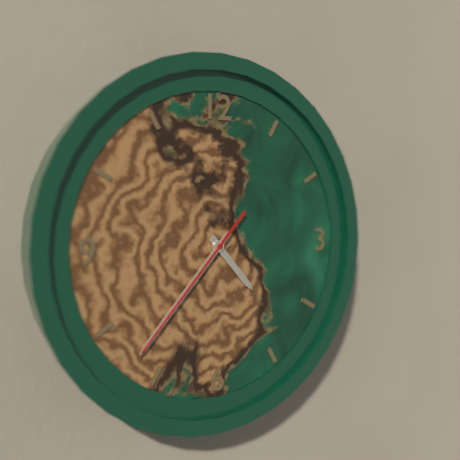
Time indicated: 4:37:37
